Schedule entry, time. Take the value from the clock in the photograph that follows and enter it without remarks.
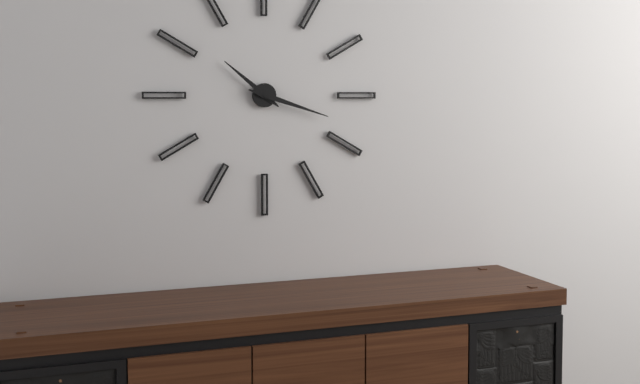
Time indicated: 10:18
